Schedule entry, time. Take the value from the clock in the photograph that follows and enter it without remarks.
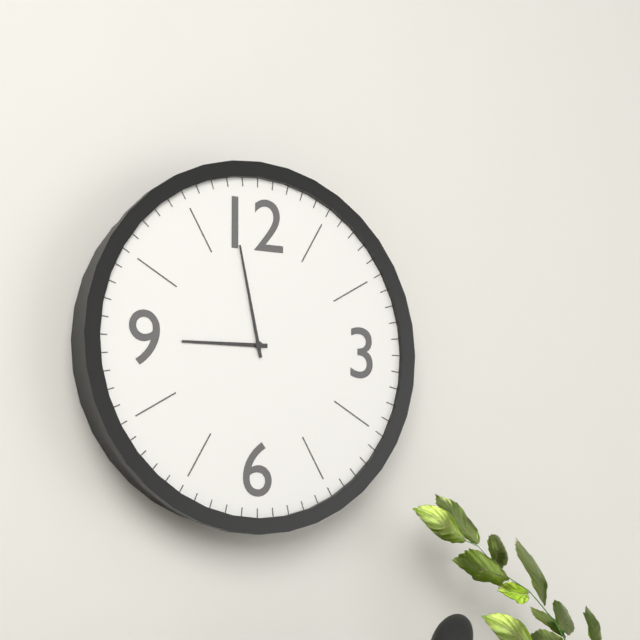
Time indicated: 8:58
